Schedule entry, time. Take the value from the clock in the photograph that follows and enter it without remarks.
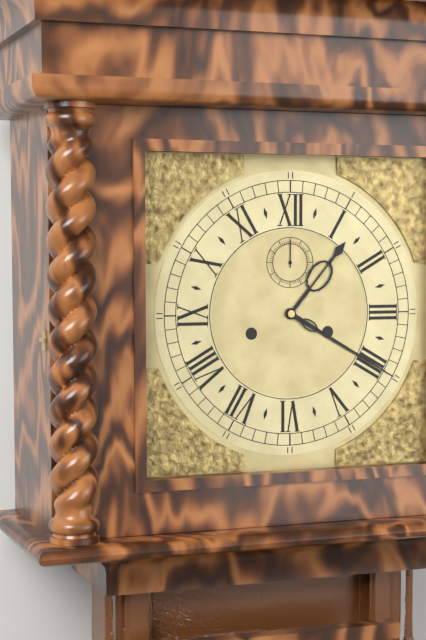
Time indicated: 1:20
